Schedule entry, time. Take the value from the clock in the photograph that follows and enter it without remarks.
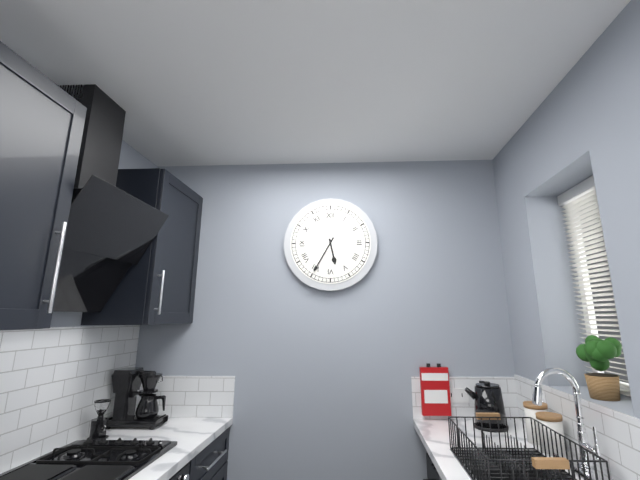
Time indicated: 5:35
